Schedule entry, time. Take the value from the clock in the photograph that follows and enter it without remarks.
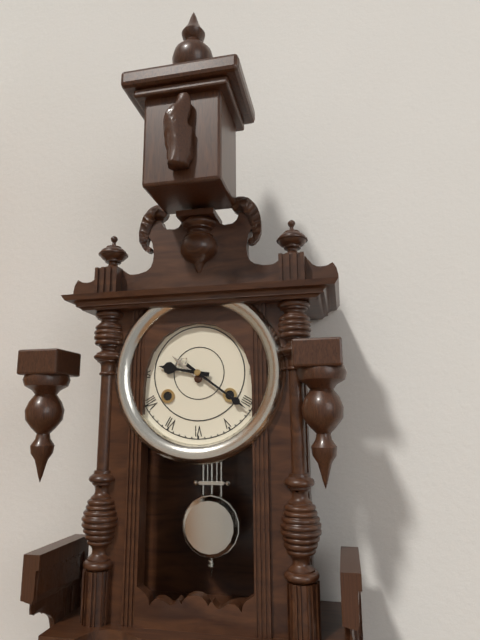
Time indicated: 9:21
